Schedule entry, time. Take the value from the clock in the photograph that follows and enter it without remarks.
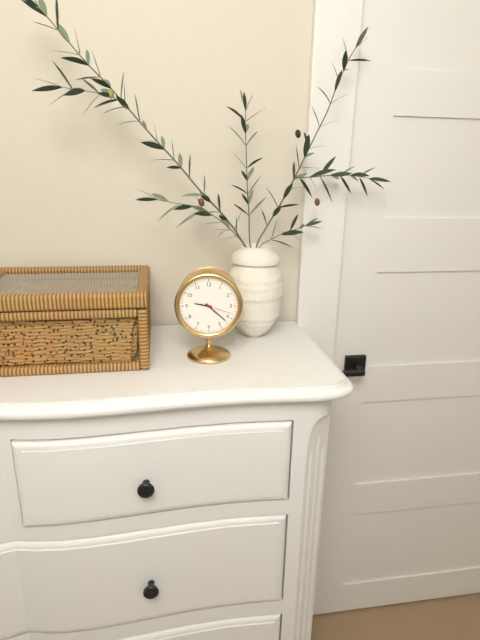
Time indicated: 9:22
